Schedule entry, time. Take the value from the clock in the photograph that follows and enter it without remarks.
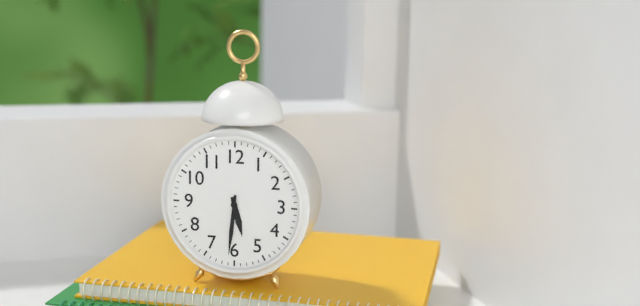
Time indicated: 5:31
